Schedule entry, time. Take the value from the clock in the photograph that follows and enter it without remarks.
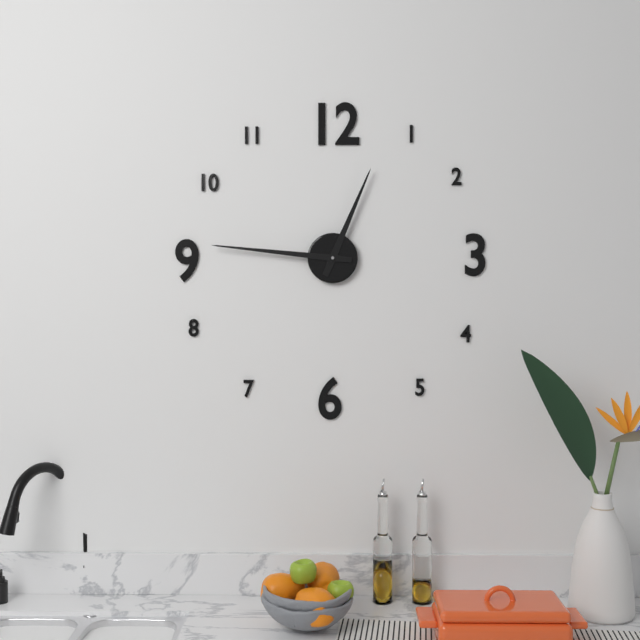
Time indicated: 12:46
